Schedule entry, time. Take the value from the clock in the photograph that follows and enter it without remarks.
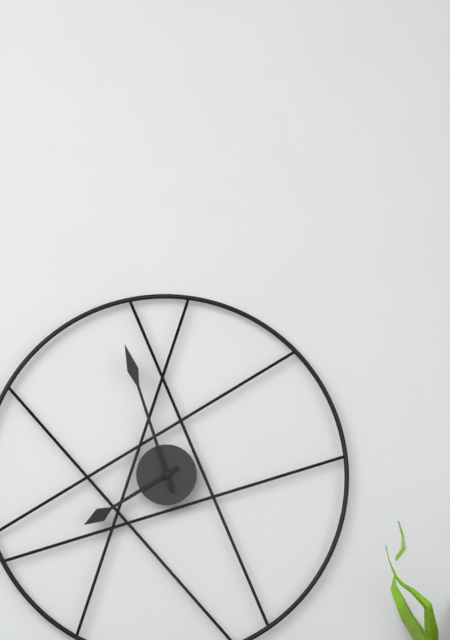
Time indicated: 7:57
